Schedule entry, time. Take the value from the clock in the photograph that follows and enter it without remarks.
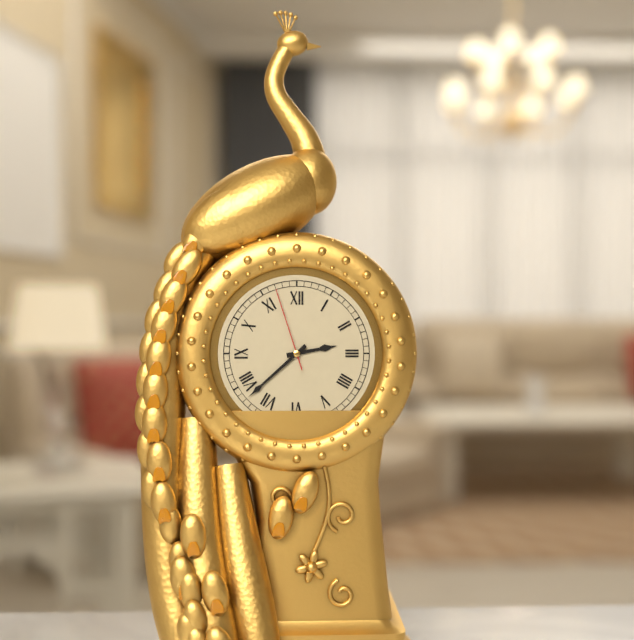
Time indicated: 2:38:57
